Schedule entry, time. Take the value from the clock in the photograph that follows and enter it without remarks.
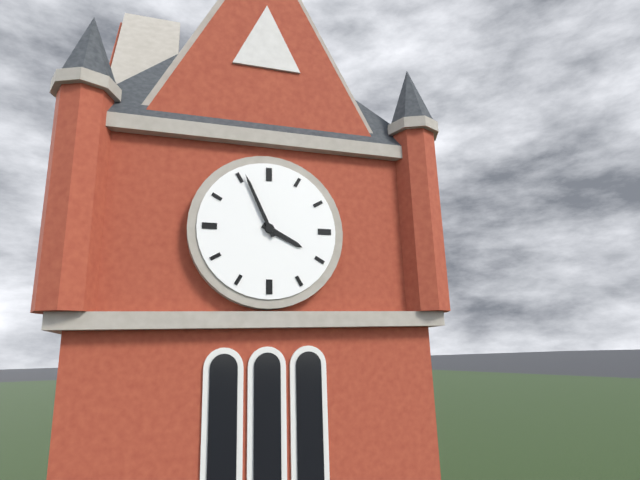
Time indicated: 3:56
